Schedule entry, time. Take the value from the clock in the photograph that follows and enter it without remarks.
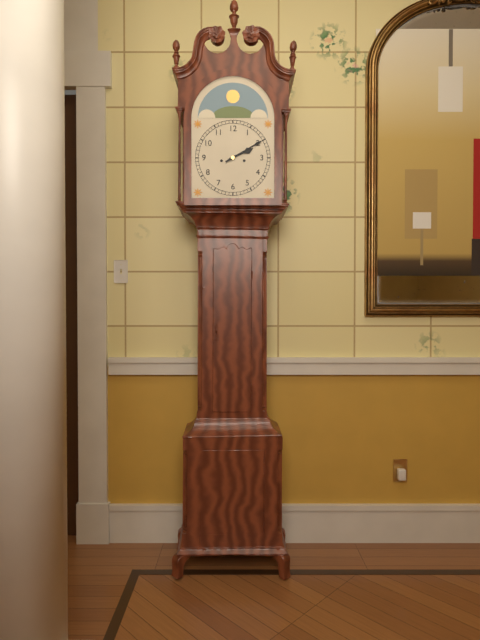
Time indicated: 2:10
